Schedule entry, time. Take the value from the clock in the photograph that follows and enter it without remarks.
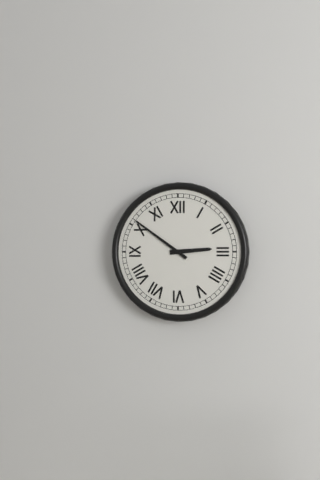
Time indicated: 2:51
